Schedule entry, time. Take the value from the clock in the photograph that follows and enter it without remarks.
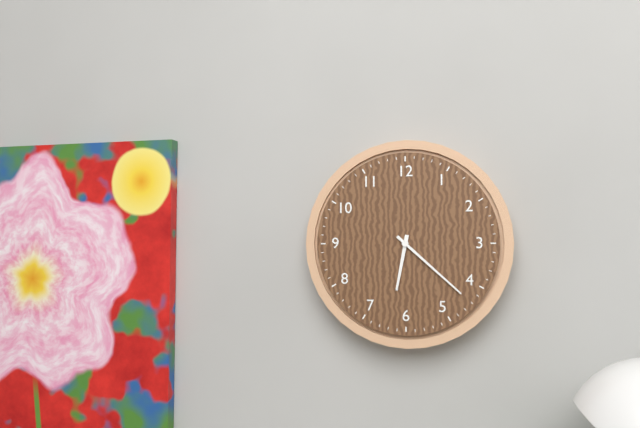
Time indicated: 6:22
